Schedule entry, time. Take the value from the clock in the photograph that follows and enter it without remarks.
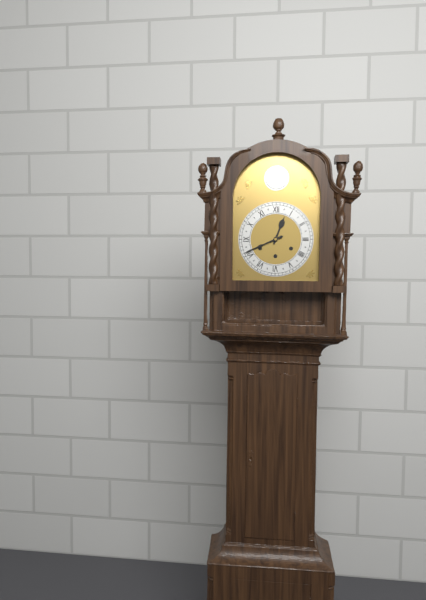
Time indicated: 12:41
